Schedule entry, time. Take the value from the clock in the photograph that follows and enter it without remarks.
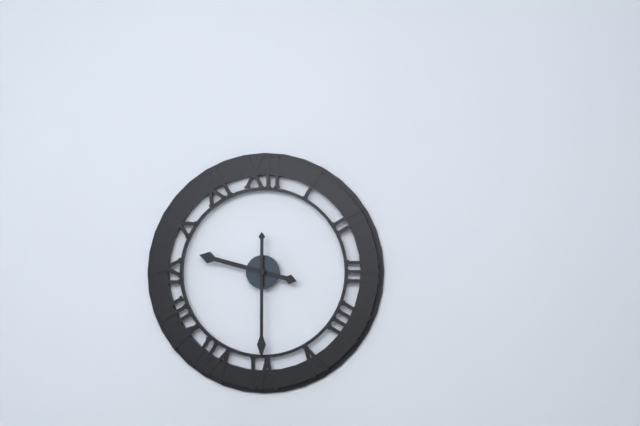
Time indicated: 9:30
